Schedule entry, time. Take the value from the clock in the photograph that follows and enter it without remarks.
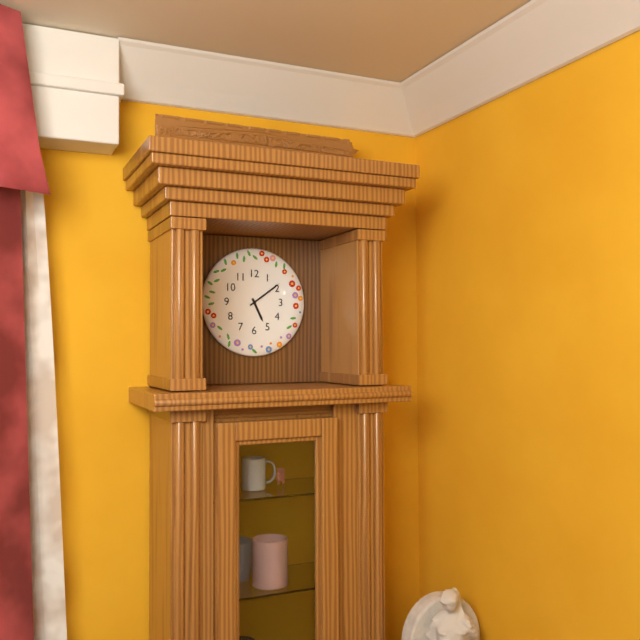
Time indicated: 5:09
